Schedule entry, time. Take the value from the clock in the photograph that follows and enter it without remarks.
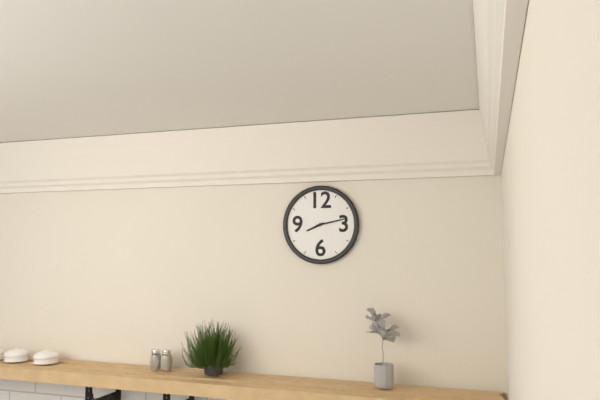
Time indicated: 8:13
